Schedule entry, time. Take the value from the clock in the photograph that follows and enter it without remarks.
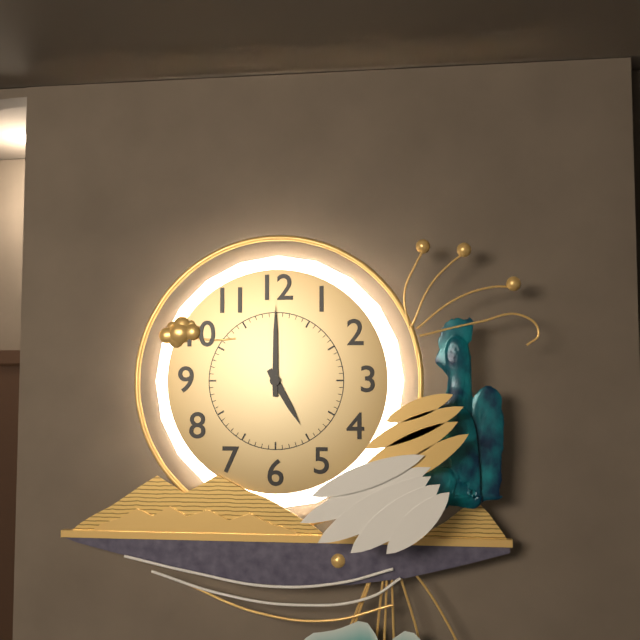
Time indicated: 5:00
